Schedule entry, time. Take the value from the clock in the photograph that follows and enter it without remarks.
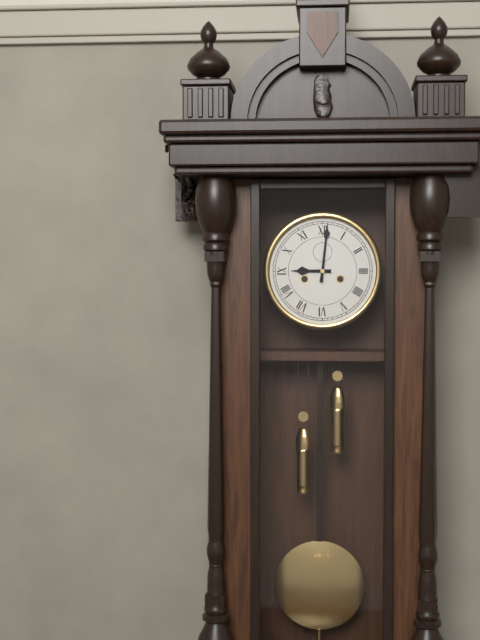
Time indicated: 9:01
